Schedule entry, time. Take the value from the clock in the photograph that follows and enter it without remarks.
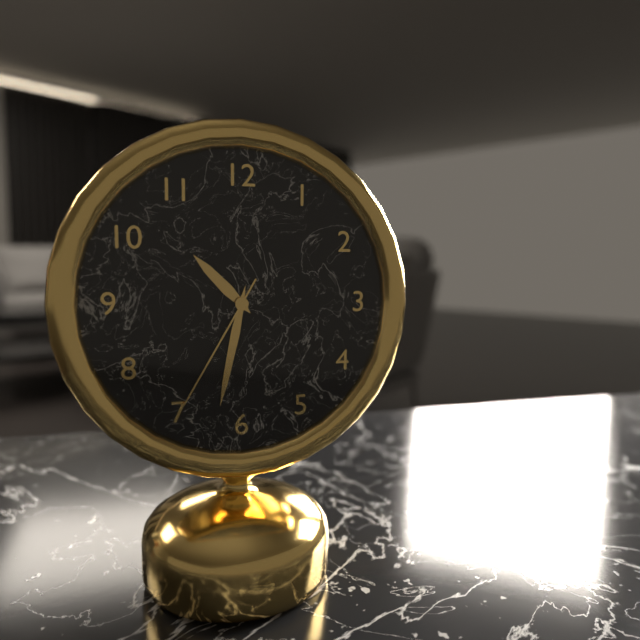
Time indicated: 10:32:35
